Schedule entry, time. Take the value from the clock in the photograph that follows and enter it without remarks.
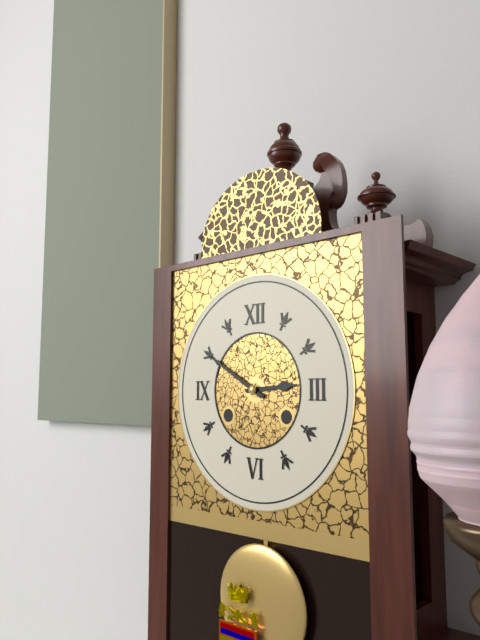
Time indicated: 2:50
